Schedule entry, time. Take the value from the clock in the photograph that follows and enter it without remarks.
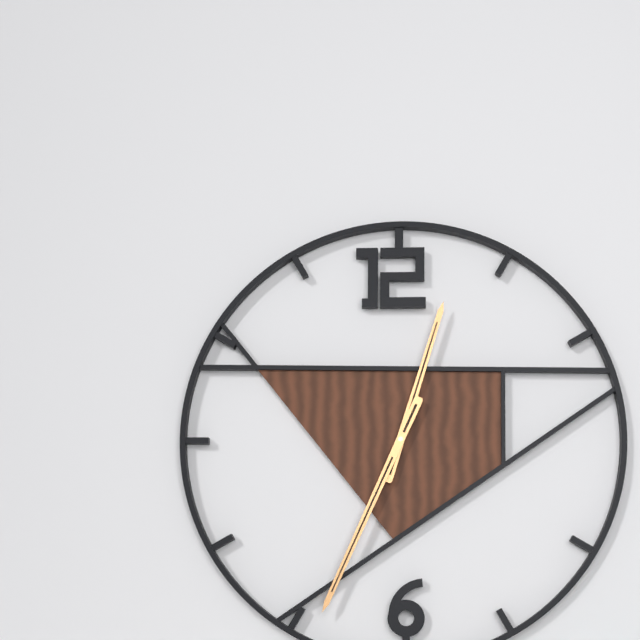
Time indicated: 12:34
